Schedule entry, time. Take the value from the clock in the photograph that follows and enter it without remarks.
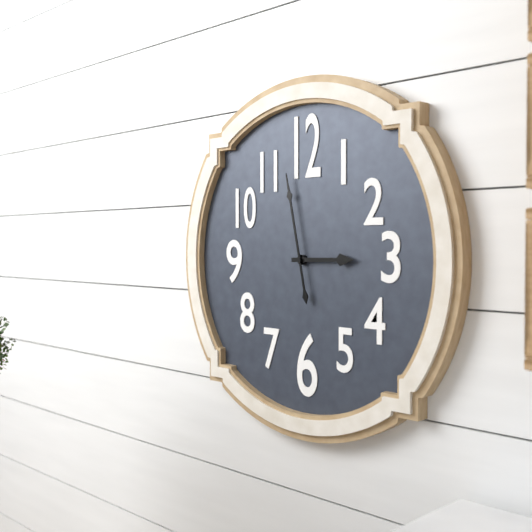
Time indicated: 2:58
